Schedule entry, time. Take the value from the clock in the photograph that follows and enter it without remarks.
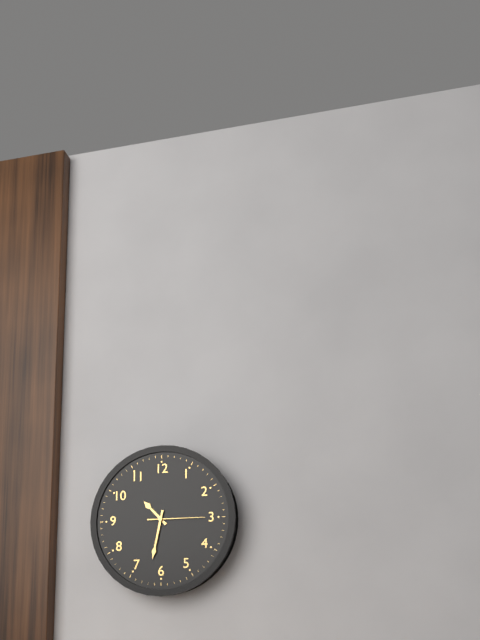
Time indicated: 10:32:15
